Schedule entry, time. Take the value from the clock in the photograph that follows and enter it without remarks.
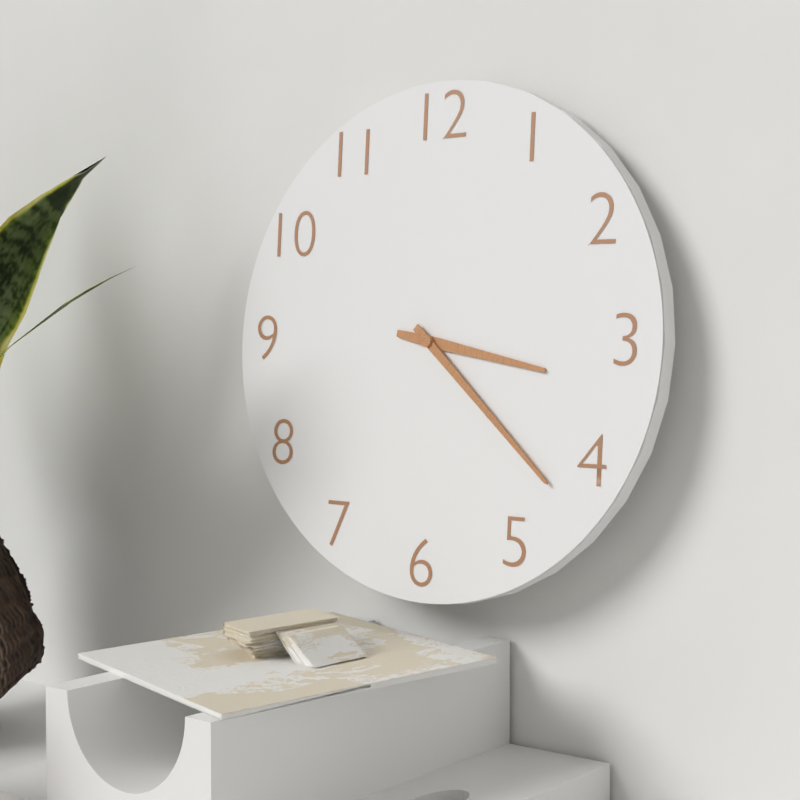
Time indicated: 3:22
